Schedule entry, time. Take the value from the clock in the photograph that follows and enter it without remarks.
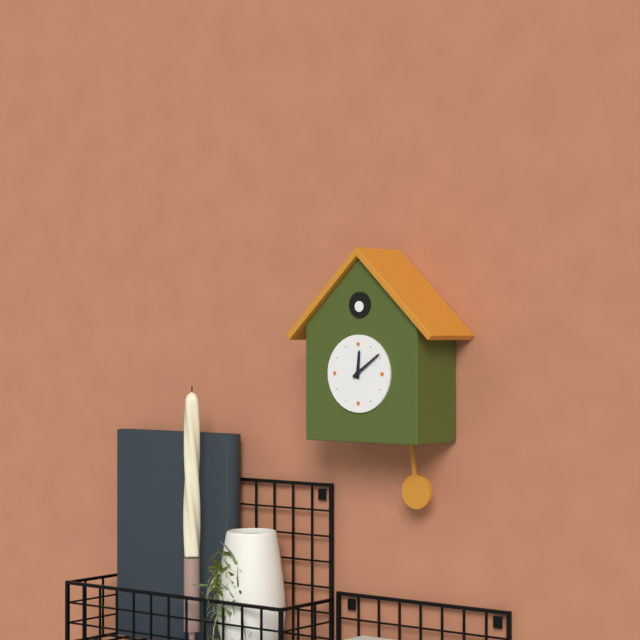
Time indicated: 12:09
